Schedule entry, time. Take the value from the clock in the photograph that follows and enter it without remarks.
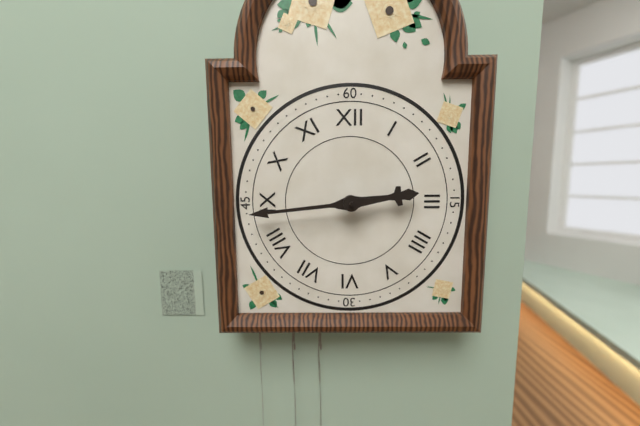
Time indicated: 2:44
